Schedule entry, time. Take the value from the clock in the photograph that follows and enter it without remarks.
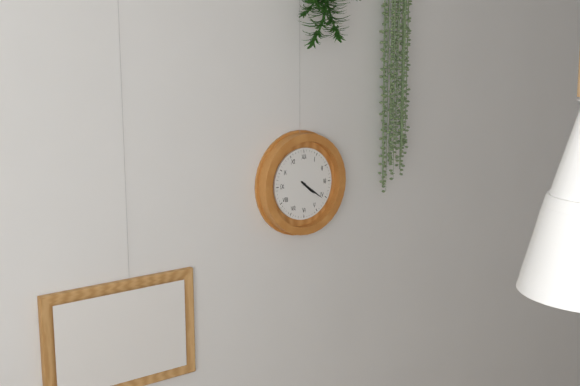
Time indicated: 4:21
